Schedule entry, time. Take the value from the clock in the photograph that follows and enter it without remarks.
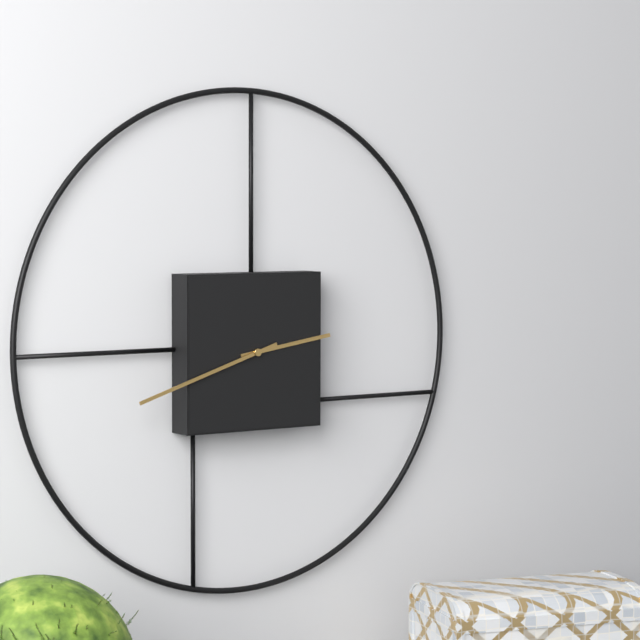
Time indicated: 2:42
